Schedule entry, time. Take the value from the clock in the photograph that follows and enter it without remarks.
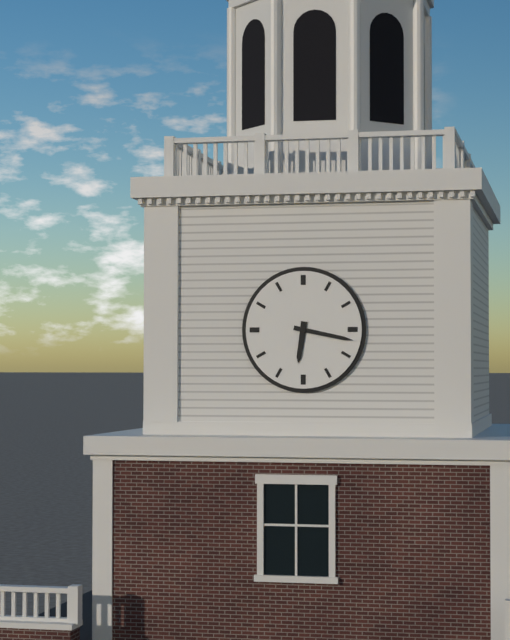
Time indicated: 6:17
